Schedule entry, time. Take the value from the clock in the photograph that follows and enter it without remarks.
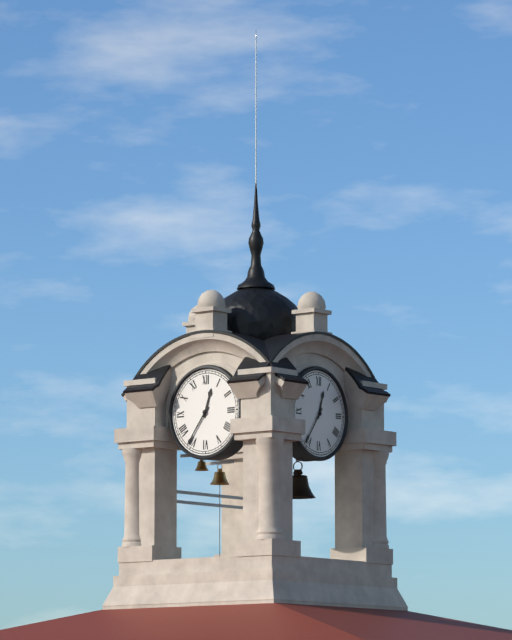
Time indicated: 12:36
